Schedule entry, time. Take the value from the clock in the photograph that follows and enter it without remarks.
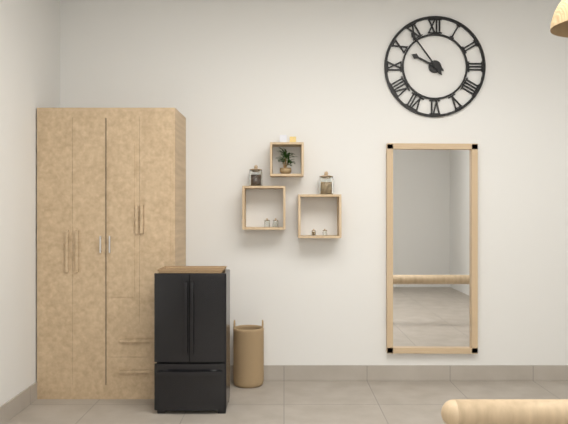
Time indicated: 9:54
